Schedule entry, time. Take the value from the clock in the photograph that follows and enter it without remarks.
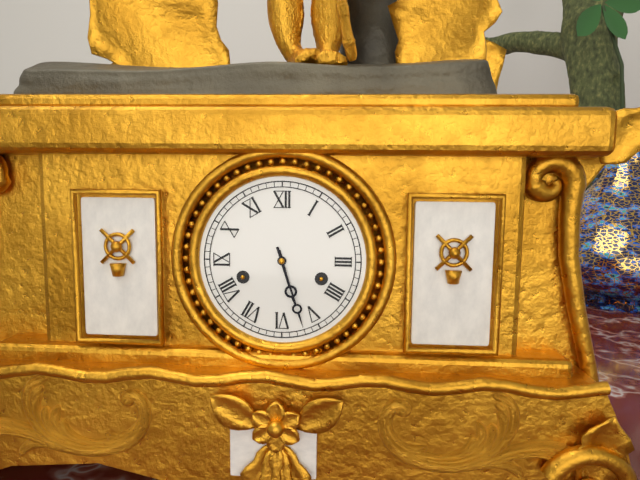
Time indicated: 5:27
